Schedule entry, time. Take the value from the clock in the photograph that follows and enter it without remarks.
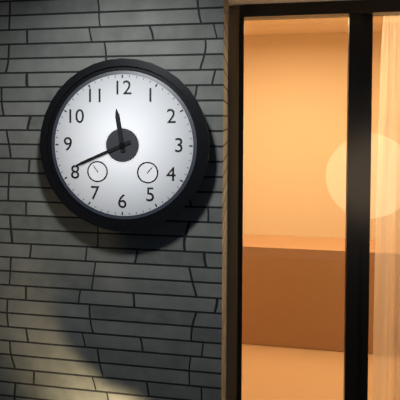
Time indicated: 11:41
